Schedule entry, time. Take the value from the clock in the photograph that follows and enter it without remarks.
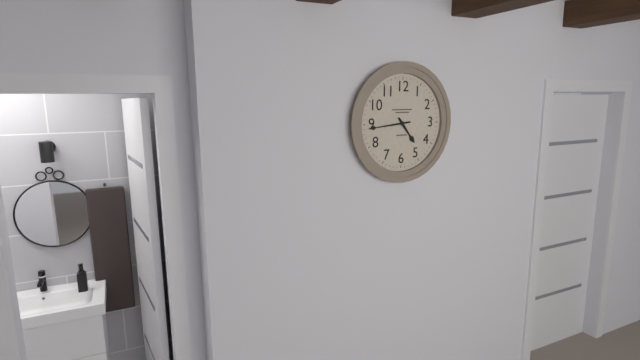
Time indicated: 4:44
